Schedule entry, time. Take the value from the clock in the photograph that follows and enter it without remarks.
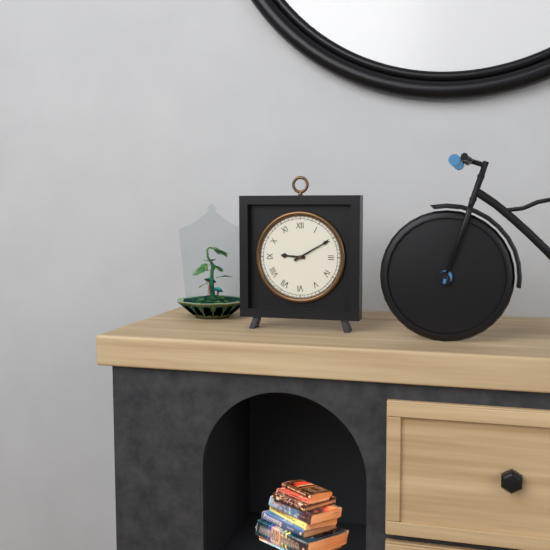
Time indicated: 9:10
